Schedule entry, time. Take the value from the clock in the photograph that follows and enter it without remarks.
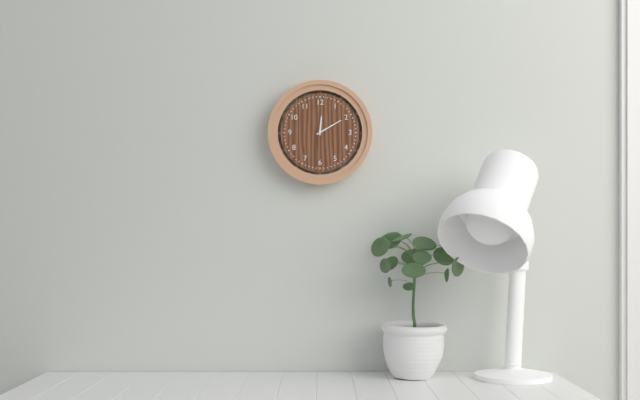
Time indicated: 12:10
